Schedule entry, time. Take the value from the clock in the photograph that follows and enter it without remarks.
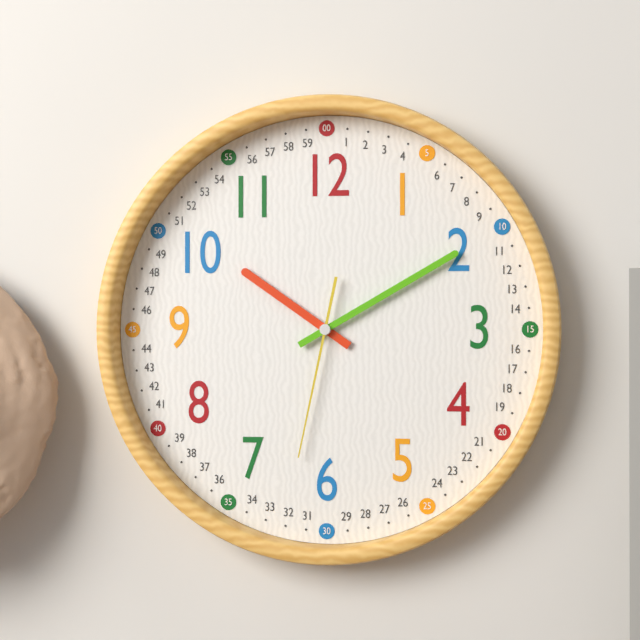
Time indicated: 10:10:32
